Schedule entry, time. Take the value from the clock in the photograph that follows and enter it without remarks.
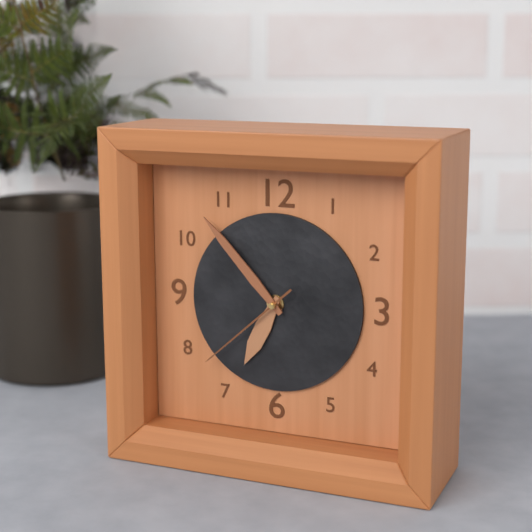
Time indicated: 6:53:38
